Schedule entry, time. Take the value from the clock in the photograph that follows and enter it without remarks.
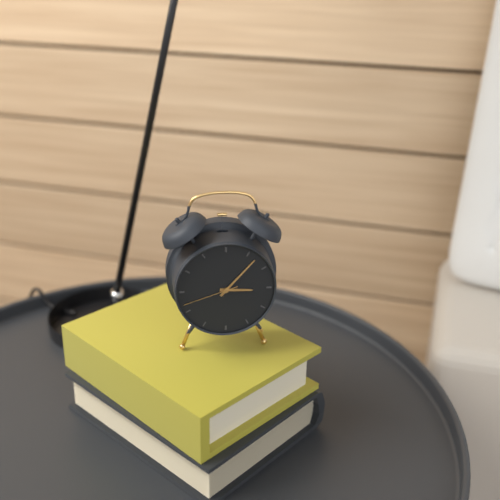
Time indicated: 3:07:42
